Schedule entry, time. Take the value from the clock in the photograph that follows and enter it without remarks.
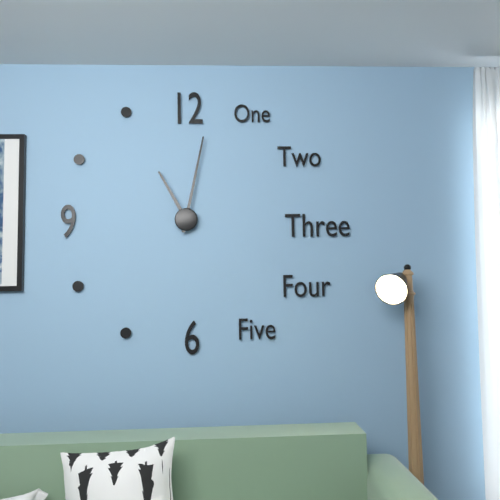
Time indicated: 11:02
